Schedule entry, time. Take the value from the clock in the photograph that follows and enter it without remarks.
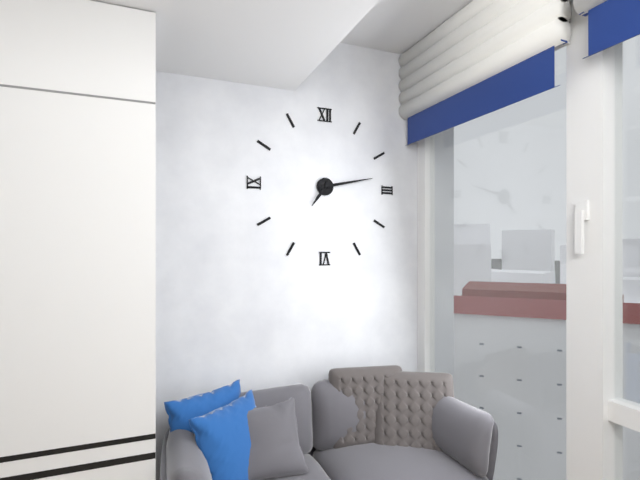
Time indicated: 7:13
